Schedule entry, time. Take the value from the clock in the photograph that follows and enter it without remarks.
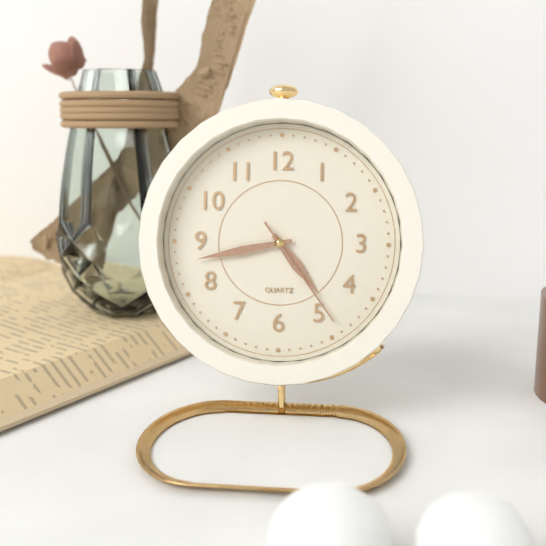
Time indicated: 4:43:24
